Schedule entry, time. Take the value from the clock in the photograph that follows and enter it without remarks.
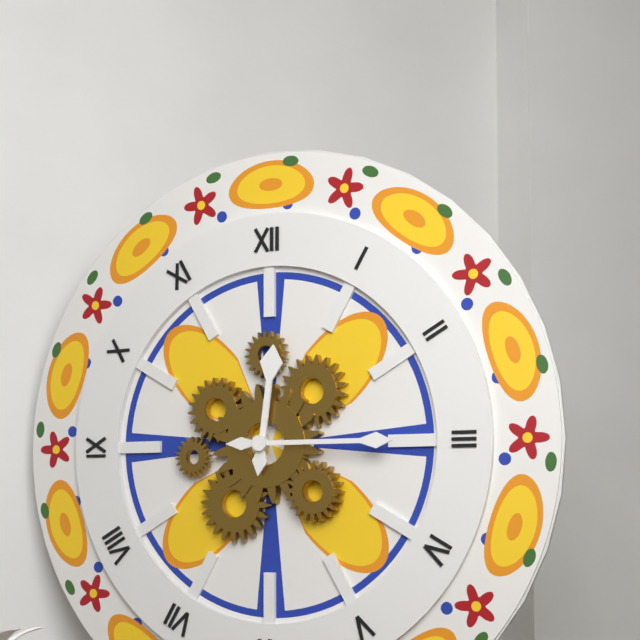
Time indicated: 12:15
